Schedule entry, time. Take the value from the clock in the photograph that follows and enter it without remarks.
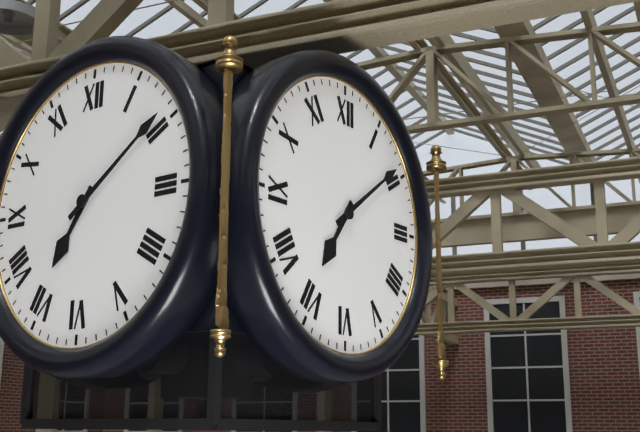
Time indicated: 7:09
